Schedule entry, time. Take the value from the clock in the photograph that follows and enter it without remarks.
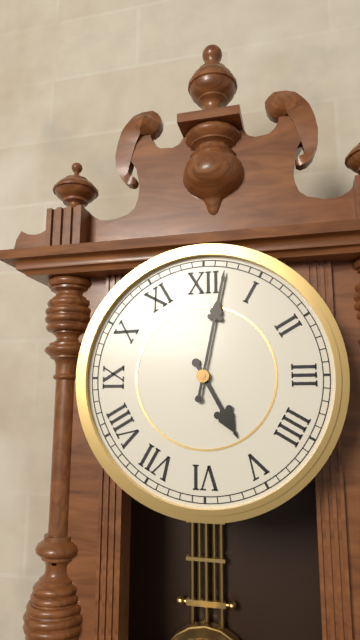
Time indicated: 5:02
